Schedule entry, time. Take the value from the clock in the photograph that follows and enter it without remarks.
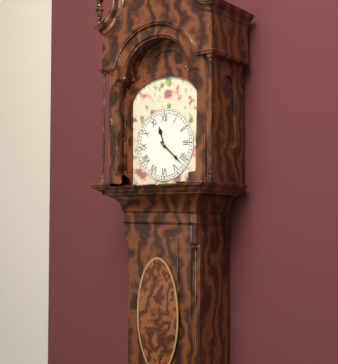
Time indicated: 11:22
